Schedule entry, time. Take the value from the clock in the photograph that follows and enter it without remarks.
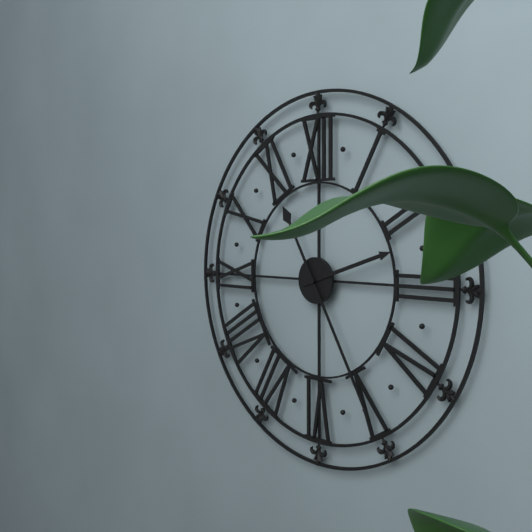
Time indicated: 2:25
